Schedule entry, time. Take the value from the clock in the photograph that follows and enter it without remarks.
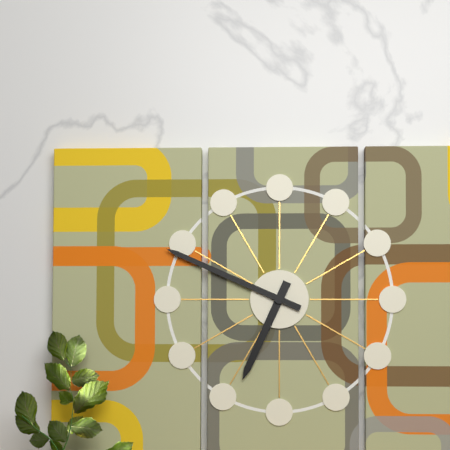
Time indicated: 6:49
